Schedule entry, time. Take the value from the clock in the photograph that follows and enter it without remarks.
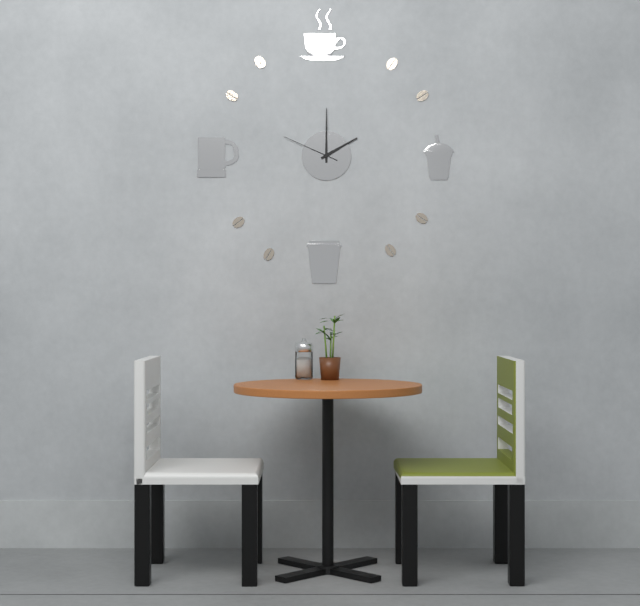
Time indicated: 2:00:49
